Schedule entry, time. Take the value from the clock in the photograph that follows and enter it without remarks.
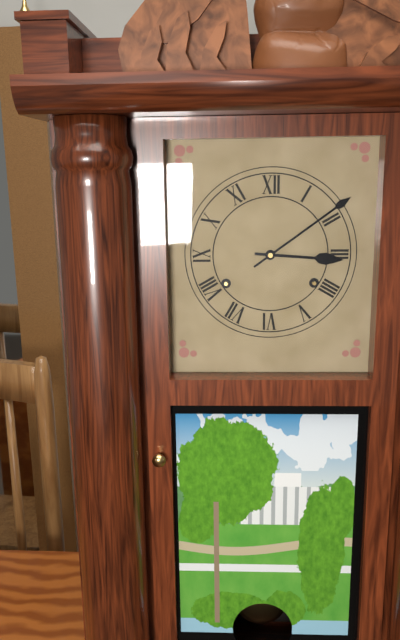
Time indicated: 3:09
